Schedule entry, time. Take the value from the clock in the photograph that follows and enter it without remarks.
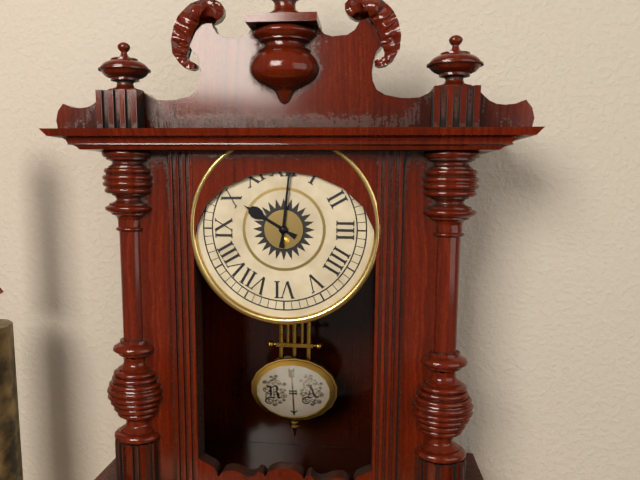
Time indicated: 10:01
